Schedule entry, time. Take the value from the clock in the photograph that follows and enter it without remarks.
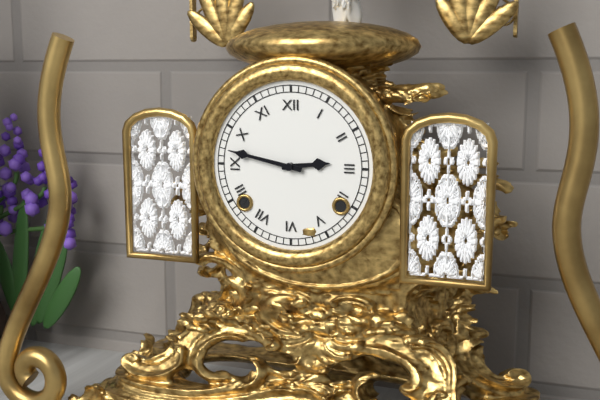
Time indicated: 2:47
